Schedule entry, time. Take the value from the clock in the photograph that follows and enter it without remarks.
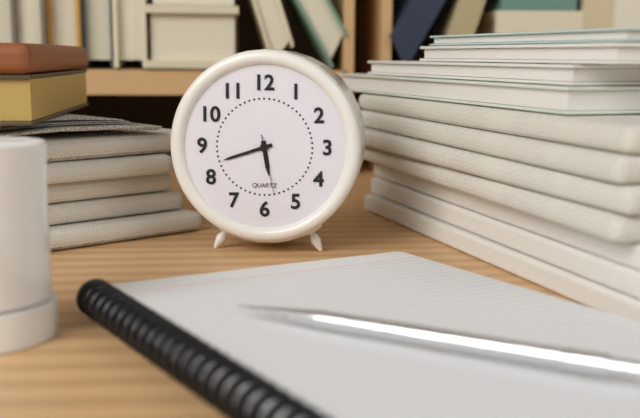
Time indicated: 5:42:28
